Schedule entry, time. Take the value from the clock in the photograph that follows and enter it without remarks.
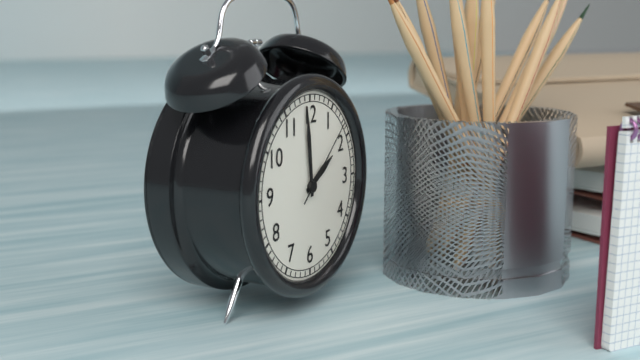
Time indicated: 1:59:08
